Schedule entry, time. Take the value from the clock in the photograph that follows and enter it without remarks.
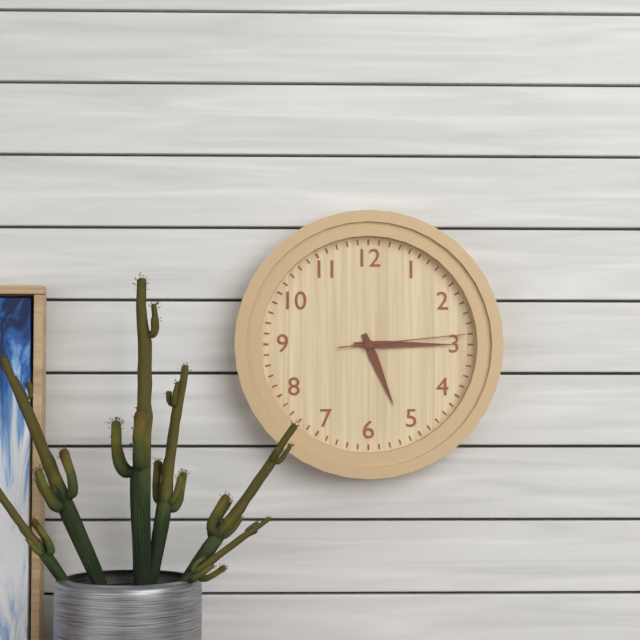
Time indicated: 5:15:14
